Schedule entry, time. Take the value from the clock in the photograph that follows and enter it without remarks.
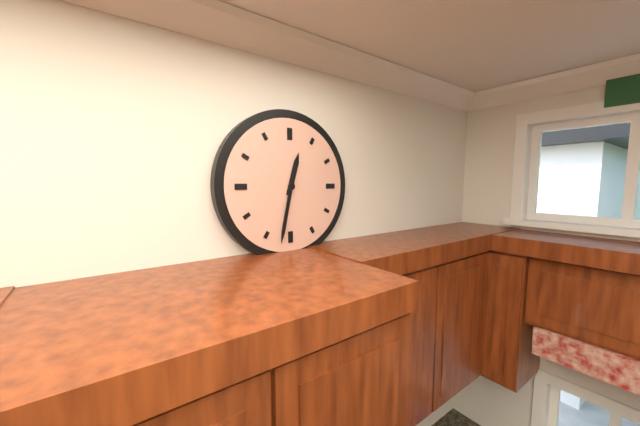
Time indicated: 12:32
